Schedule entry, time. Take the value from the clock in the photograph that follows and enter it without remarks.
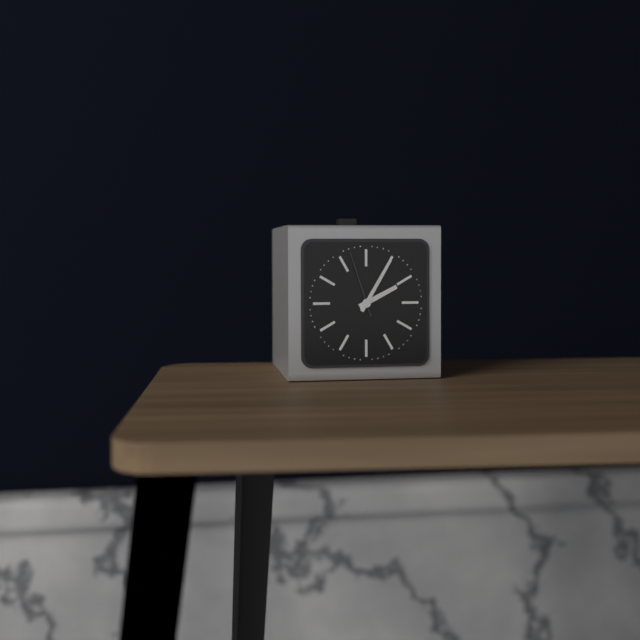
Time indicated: 2:05:57
